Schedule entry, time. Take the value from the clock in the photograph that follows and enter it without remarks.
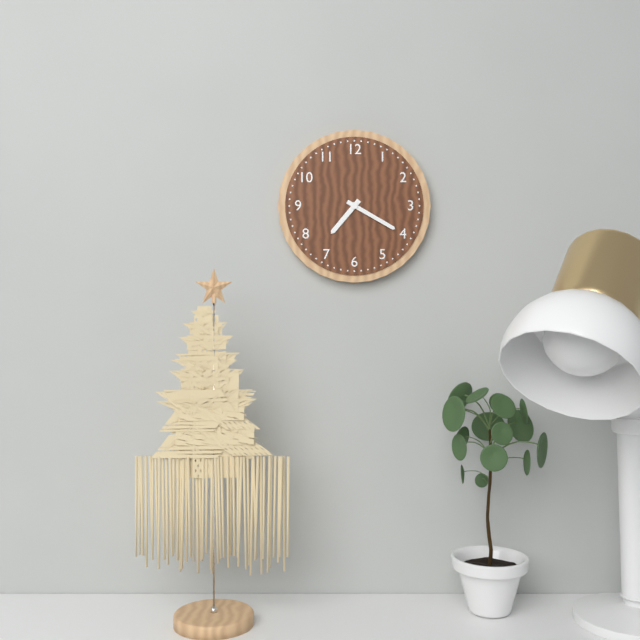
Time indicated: 7:20
